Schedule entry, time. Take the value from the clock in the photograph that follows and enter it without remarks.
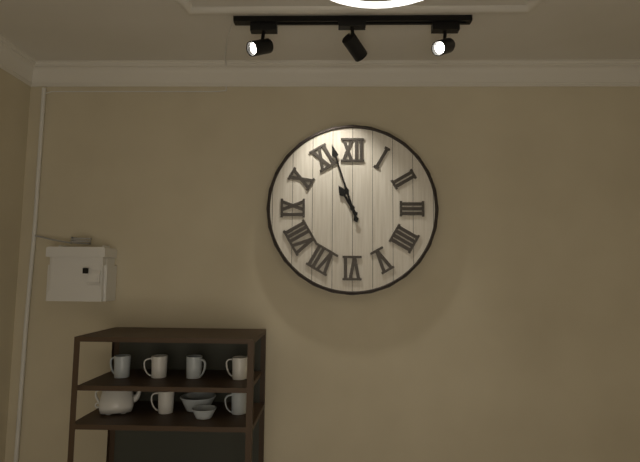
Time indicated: 10:57
